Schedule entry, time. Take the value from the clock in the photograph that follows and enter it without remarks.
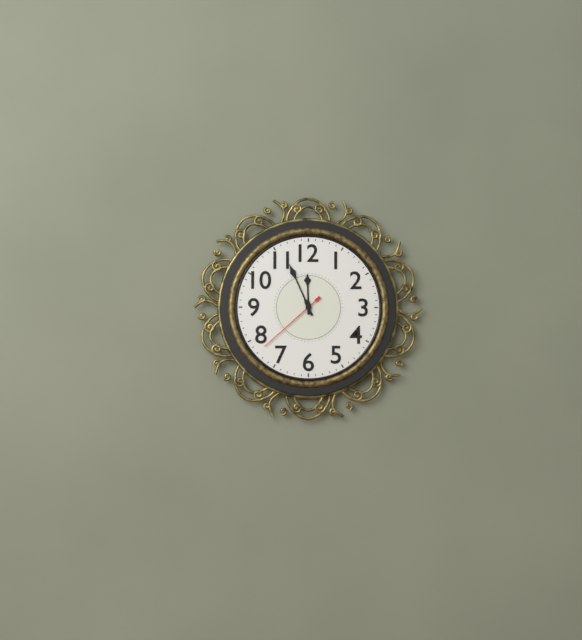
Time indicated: 11:56:38
